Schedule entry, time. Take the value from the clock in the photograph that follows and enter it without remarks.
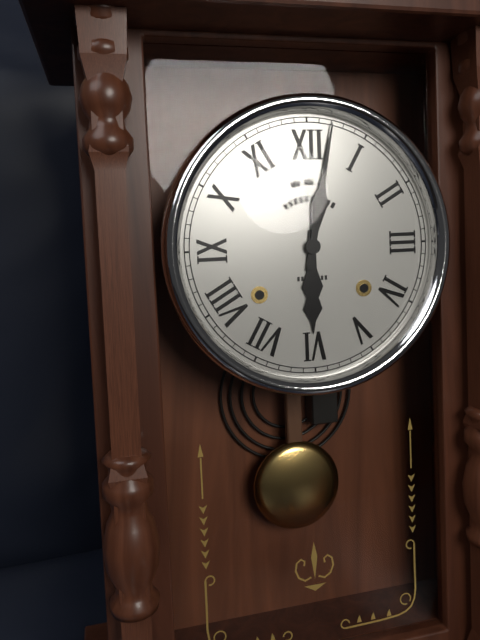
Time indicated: 6:02
